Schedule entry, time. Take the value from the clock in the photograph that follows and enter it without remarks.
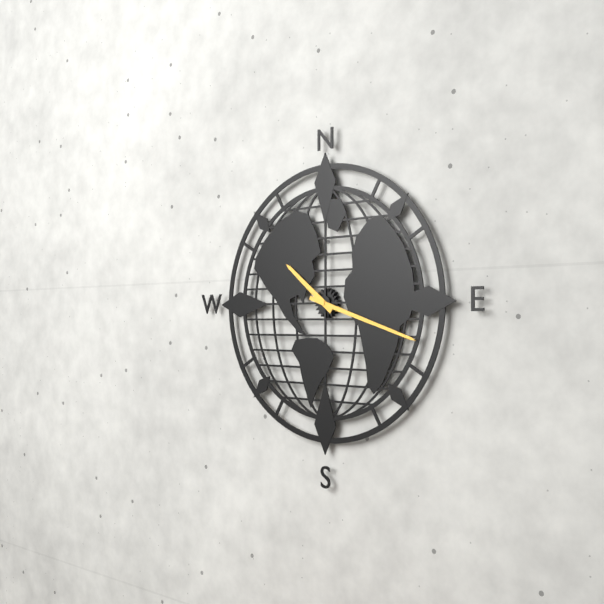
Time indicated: 10:18
